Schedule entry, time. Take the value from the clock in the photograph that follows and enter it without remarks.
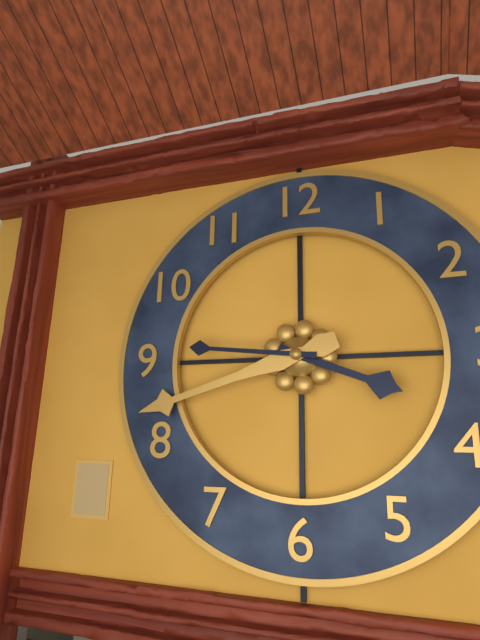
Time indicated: 3:42:46
